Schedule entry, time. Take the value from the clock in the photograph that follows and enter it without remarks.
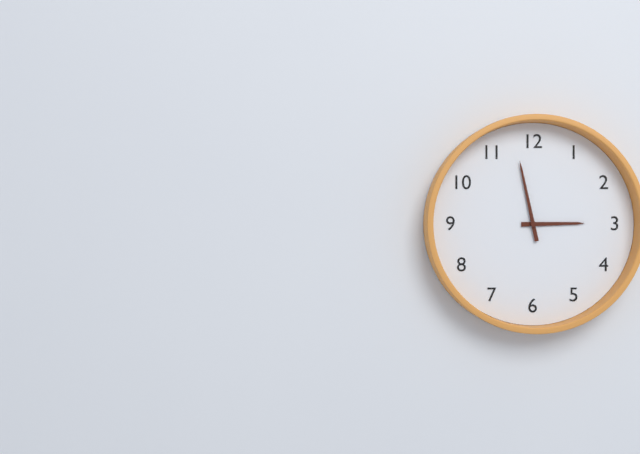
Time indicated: 2:58
